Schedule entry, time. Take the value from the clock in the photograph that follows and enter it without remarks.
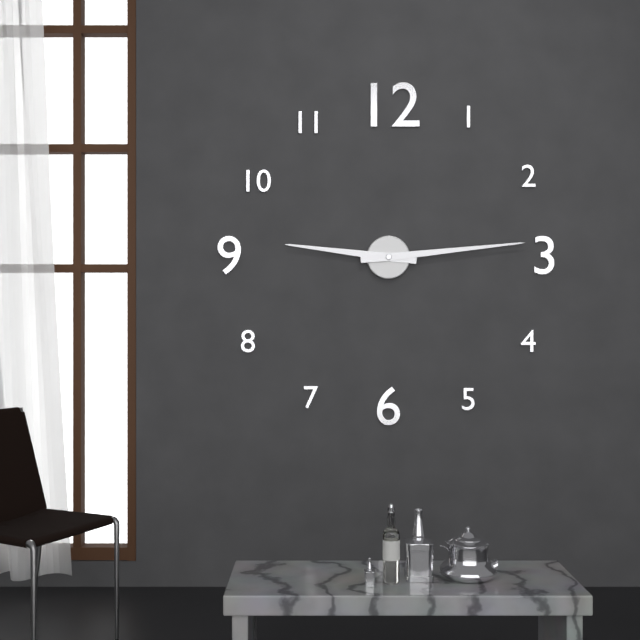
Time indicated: 9:14
